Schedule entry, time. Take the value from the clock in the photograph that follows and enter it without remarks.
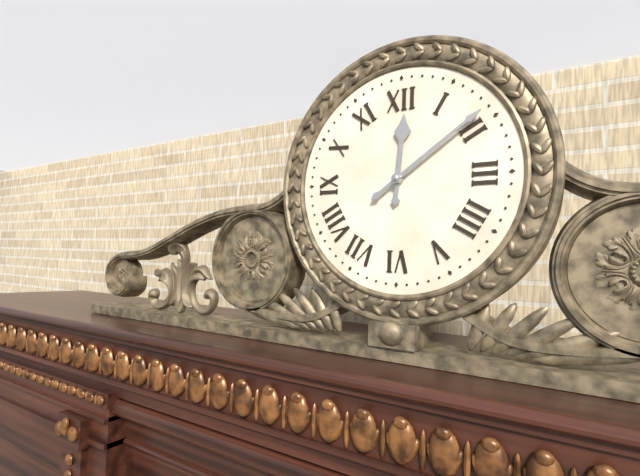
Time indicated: 12:09
